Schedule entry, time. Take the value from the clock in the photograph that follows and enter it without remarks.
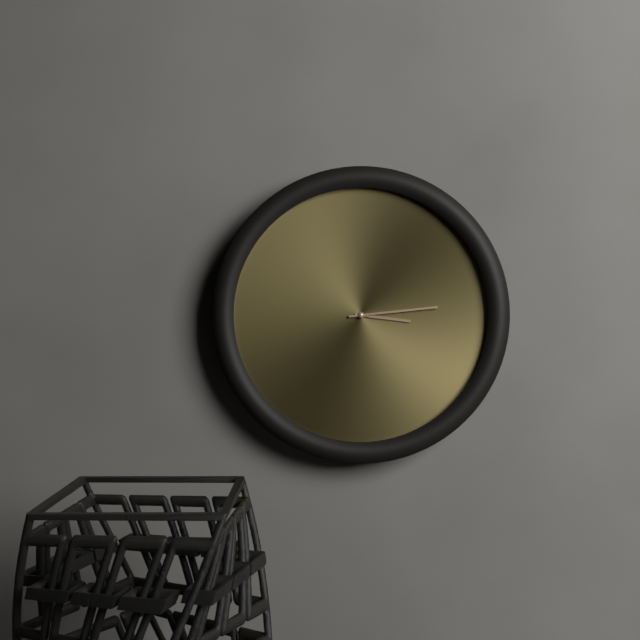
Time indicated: 3:14
